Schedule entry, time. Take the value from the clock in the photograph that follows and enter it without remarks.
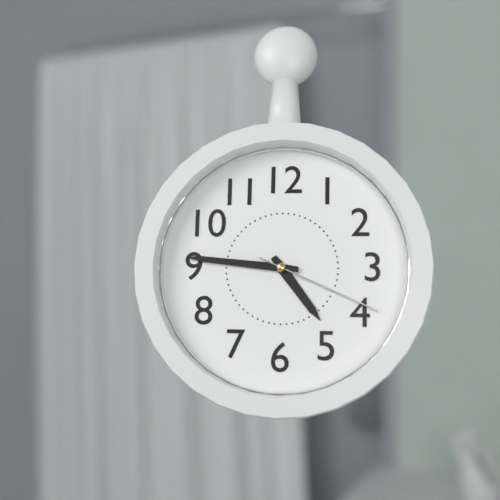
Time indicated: 4:46:19
